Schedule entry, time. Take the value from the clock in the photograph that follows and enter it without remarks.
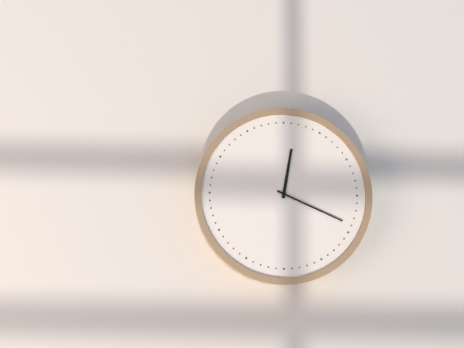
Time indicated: 12:19
